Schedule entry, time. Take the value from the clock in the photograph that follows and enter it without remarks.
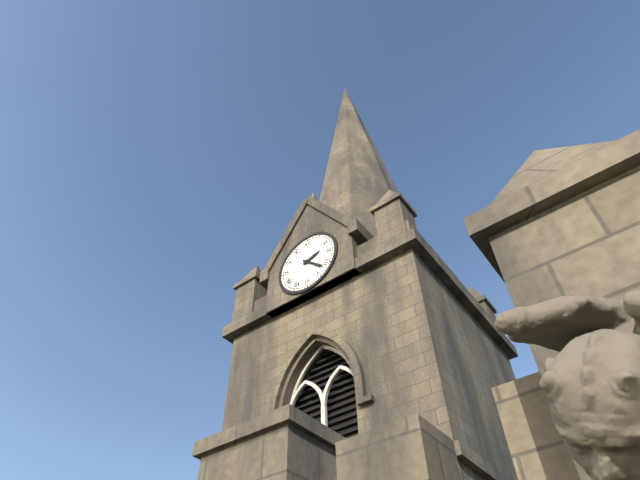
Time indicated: 2:22
